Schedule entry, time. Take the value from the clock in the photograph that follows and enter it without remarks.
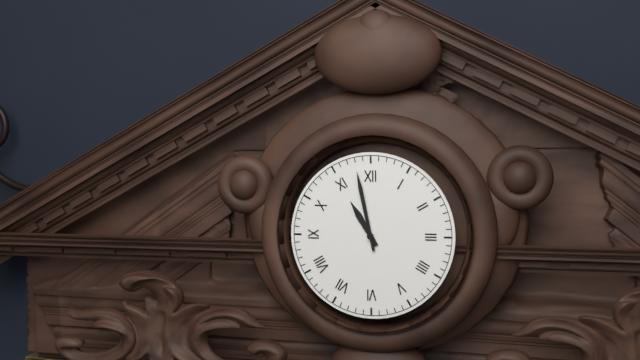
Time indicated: 10:58
